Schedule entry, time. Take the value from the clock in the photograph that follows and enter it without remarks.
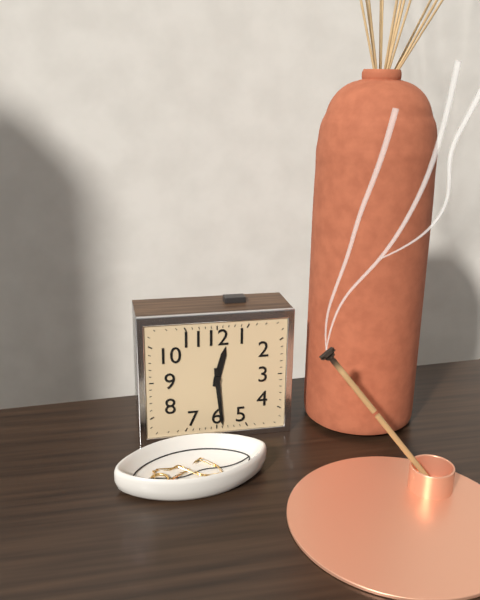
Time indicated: 12:29
